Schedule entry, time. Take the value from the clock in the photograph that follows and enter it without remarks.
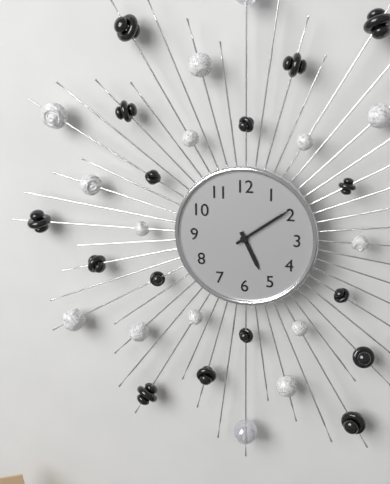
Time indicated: 5:09
